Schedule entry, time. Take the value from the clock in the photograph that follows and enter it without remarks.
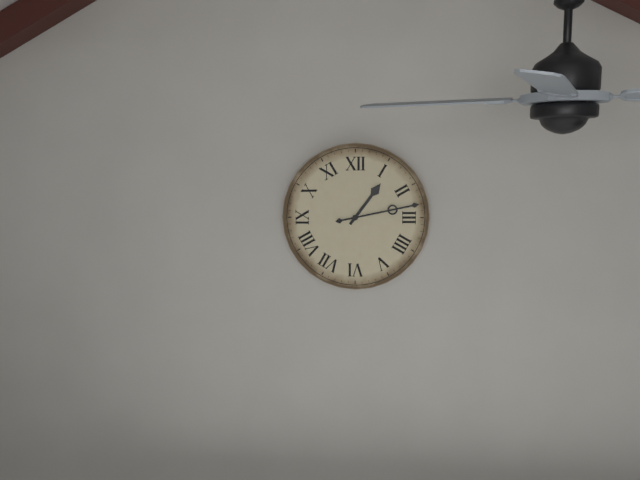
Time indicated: 1:13
